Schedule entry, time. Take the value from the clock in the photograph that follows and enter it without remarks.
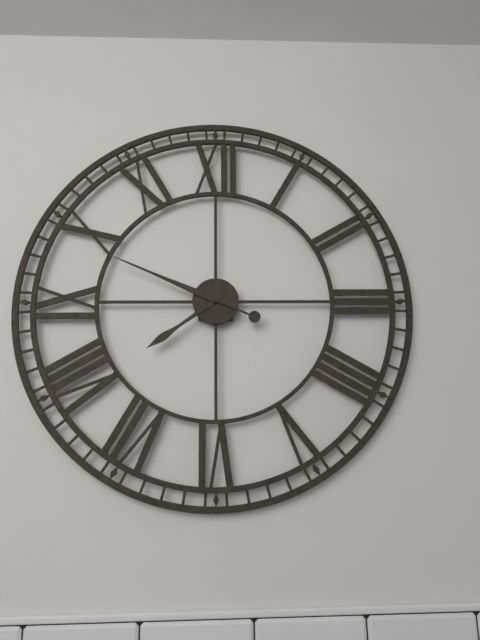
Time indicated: 7:49
